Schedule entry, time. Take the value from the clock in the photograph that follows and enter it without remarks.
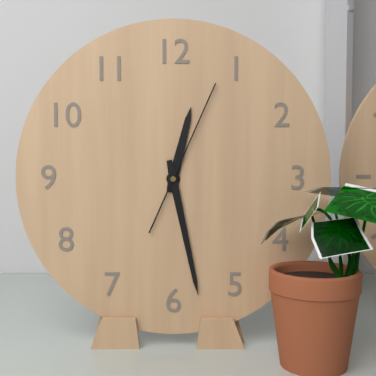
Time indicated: 12:28:04
